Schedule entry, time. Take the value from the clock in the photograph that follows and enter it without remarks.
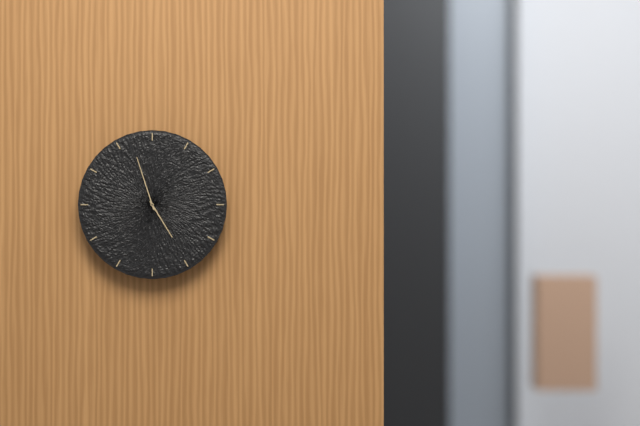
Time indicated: 4:57
